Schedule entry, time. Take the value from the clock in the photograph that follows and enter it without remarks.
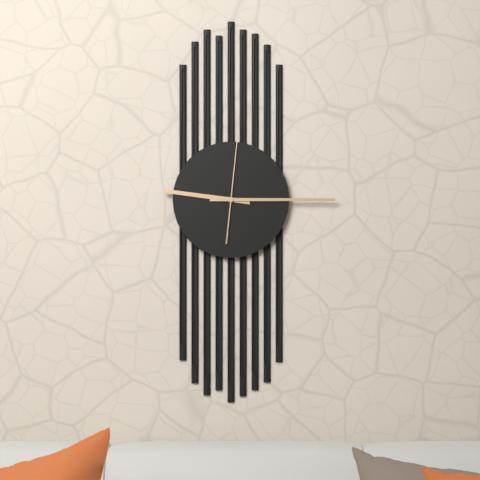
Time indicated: 9:15:01
